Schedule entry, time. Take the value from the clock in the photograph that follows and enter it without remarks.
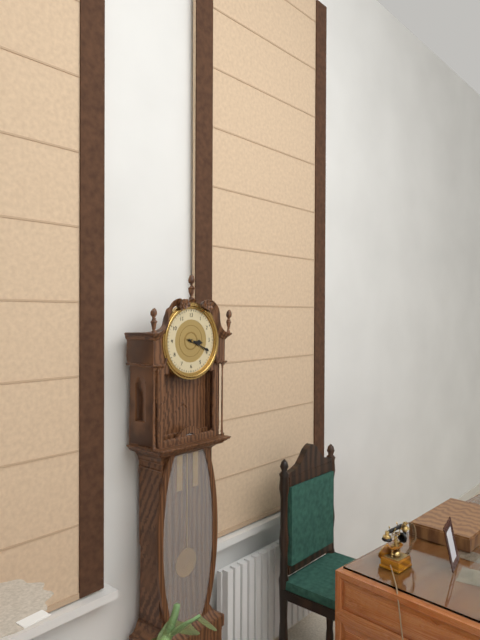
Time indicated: 3:19
